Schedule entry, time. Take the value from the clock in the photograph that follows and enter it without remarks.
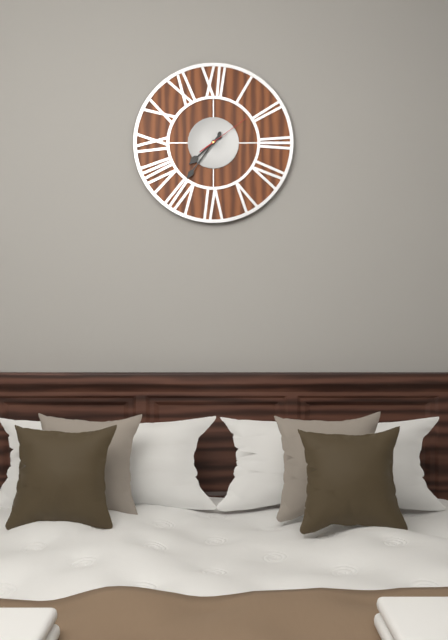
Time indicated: 7:36:09
